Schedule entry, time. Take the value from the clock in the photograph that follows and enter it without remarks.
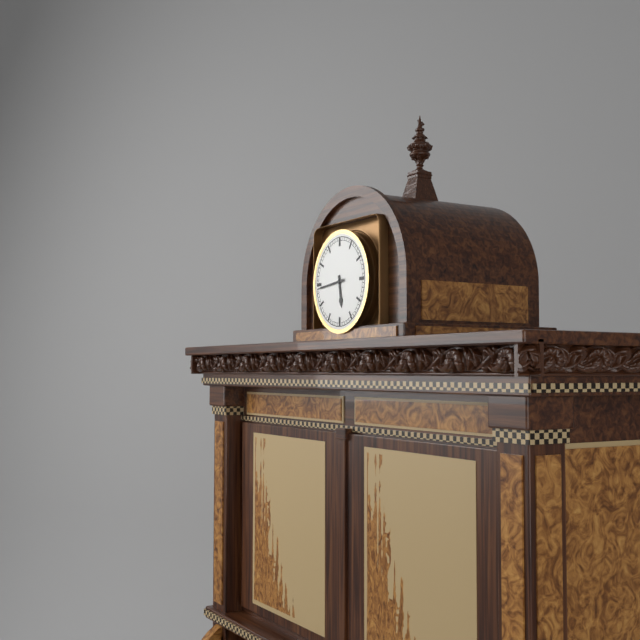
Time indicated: 5:44
